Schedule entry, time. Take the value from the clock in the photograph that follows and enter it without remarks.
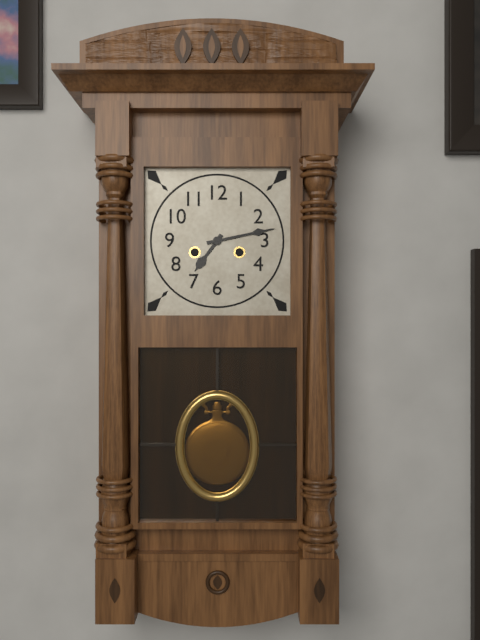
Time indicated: 7:13
